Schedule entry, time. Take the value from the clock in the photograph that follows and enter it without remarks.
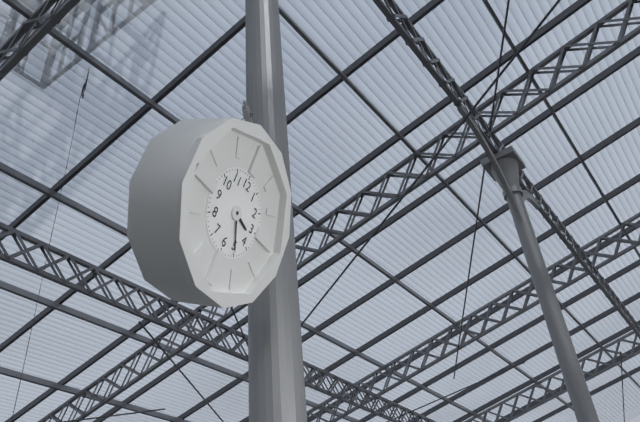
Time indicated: 3:25
